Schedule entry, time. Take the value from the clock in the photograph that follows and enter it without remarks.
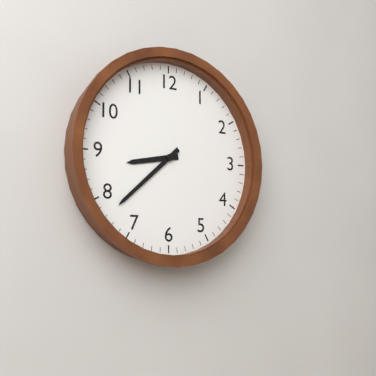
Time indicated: 8:38
